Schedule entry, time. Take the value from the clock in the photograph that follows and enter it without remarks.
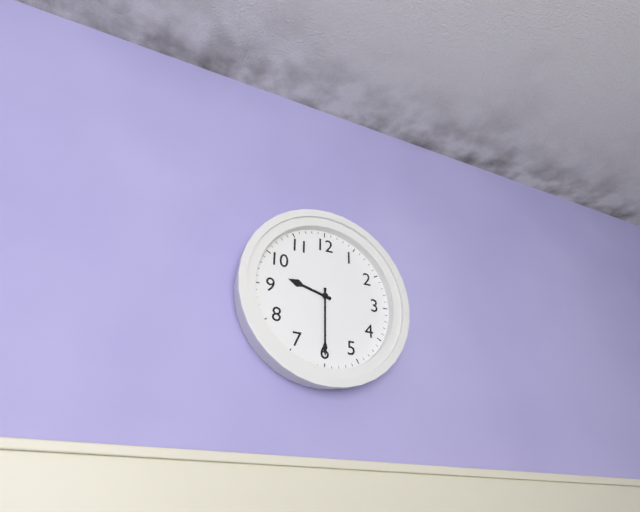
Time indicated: 9:30
